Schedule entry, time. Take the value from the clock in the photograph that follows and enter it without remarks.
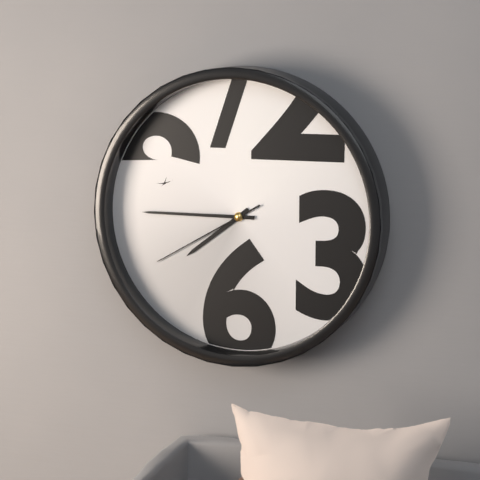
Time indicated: 7:45:40
